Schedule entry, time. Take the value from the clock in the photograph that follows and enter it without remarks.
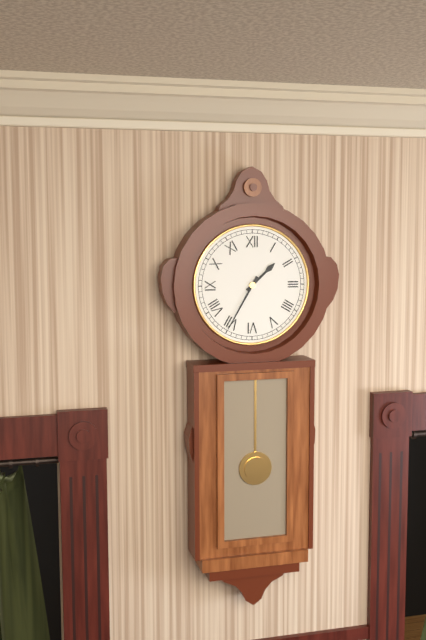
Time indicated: 1:35
